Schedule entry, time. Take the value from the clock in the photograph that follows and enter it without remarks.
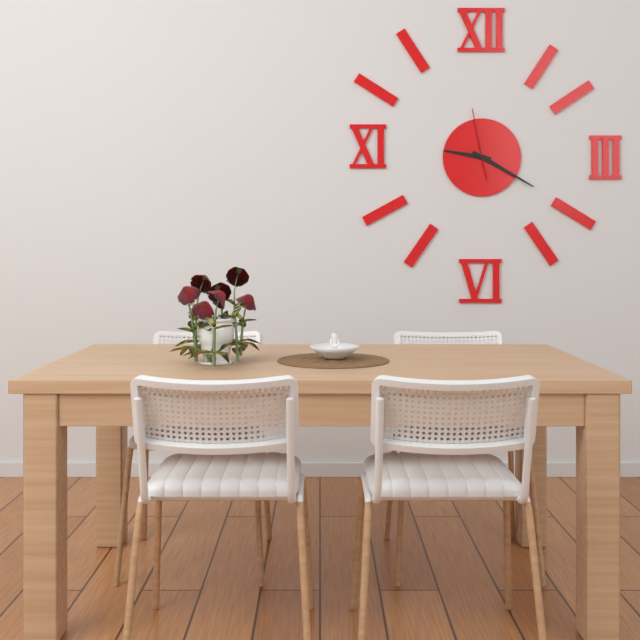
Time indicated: 9:20:58
